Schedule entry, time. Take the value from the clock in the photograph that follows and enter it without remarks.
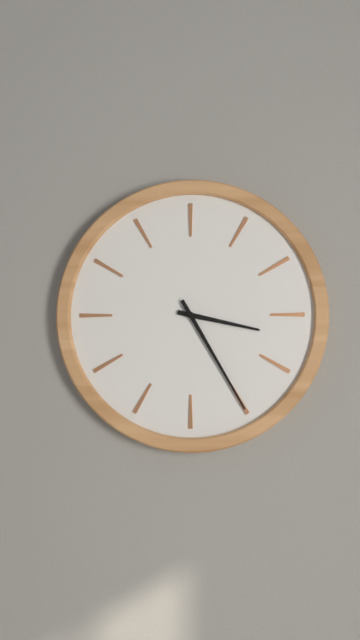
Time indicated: 3:25
